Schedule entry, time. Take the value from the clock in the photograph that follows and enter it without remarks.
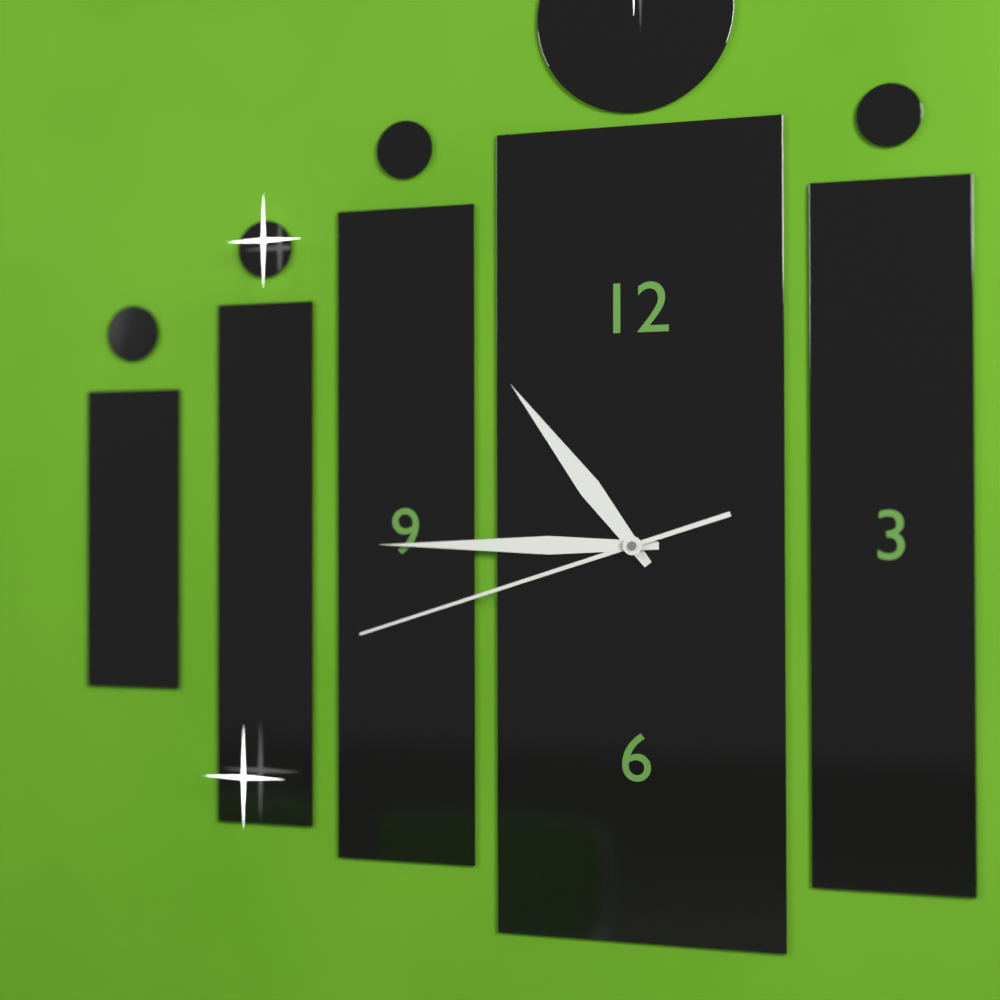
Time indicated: 10:45:42
